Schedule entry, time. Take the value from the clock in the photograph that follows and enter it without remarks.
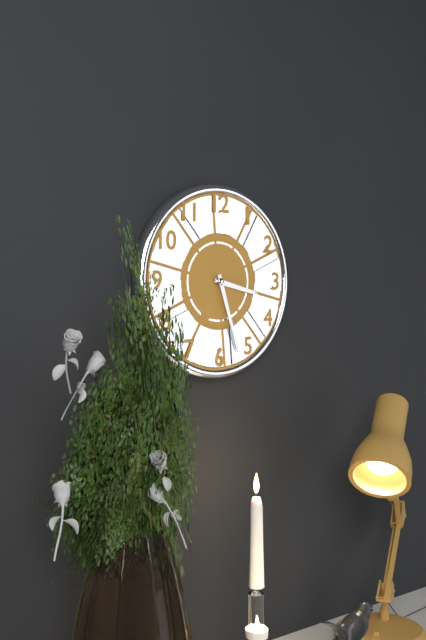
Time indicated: 3:27
